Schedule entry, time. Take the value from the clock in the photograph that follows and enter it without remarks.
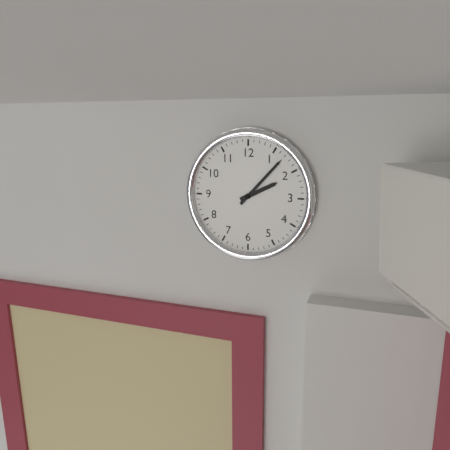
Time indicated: 2:07
